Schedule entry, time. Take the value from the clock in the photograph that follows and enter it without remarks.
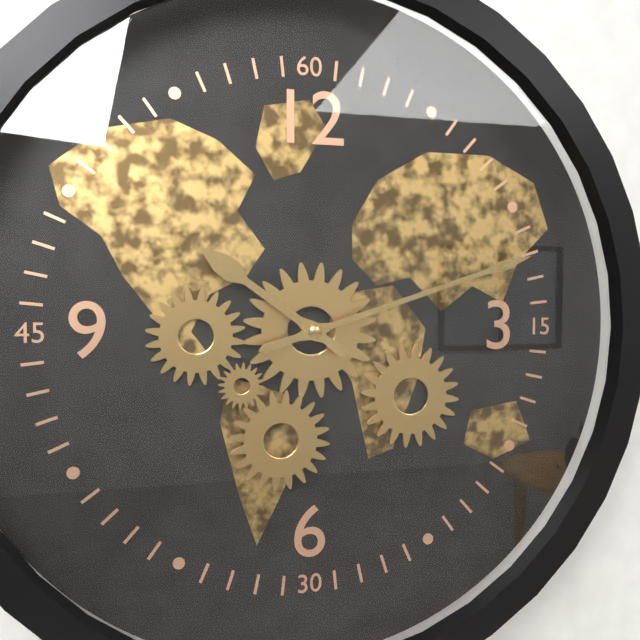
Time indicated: 10:12
